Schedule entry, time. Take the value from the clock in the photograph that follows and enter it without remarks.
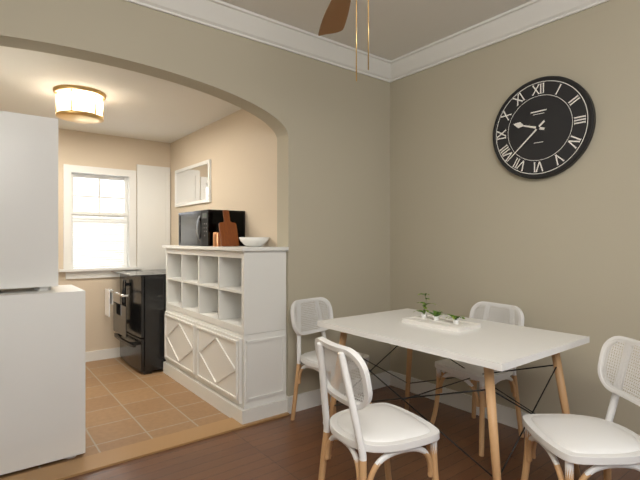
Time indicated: 9:38
